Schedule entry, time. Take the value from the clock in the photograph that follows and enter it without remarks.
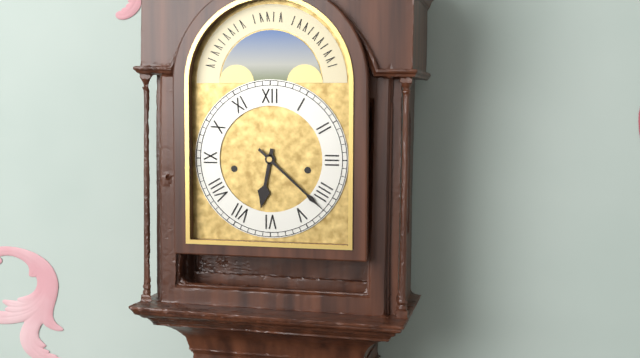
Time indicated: 6:22
